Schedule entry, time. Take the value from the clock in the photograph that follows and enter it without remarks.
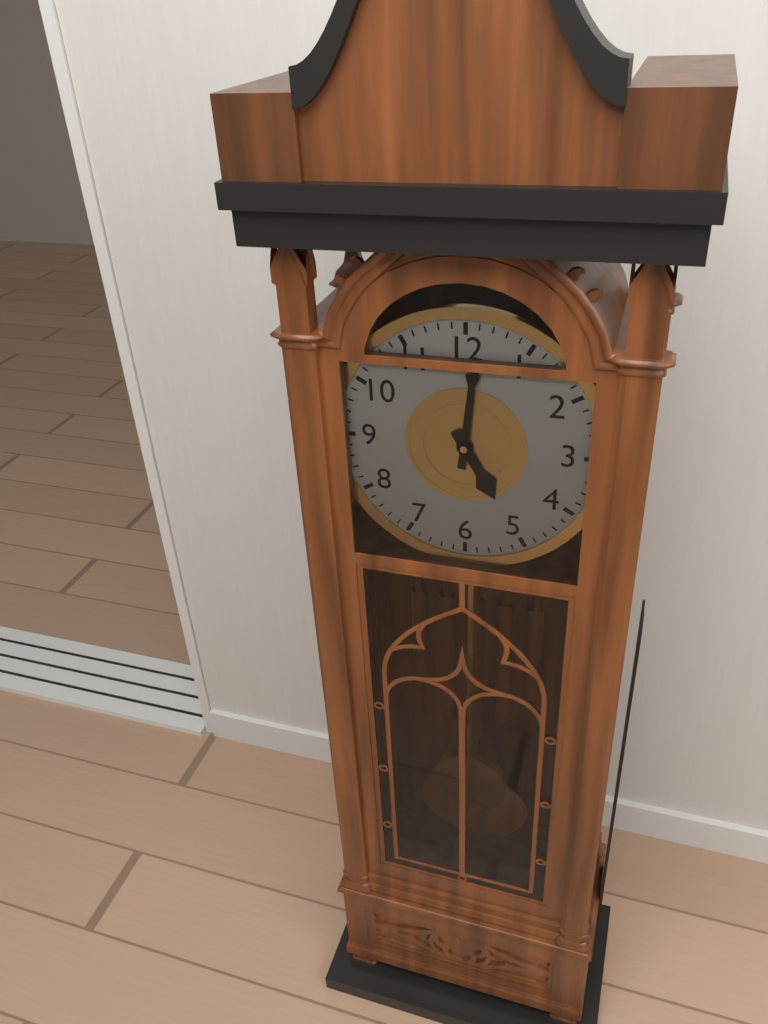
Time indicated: 5:01
